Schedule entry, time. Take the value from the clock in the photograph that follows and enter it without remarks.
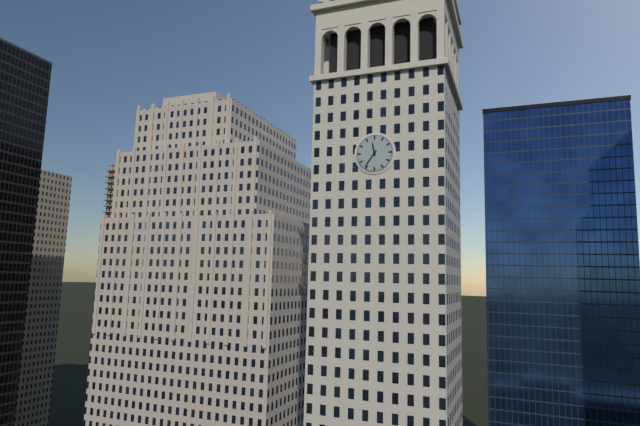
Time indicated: 11:36
